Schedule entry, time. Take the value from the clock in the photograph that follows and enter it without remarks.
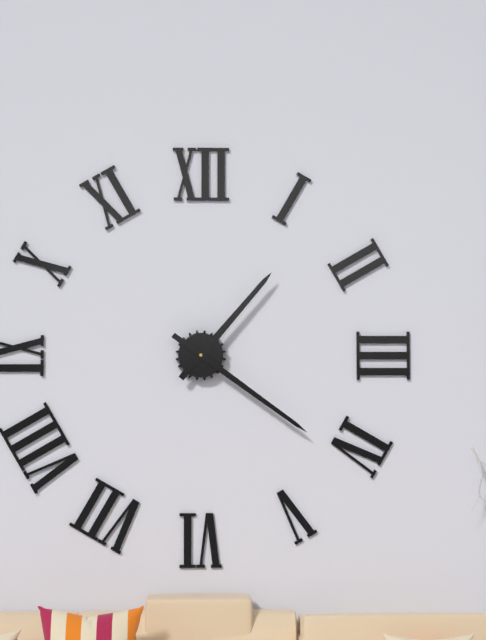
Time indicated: 1:21
